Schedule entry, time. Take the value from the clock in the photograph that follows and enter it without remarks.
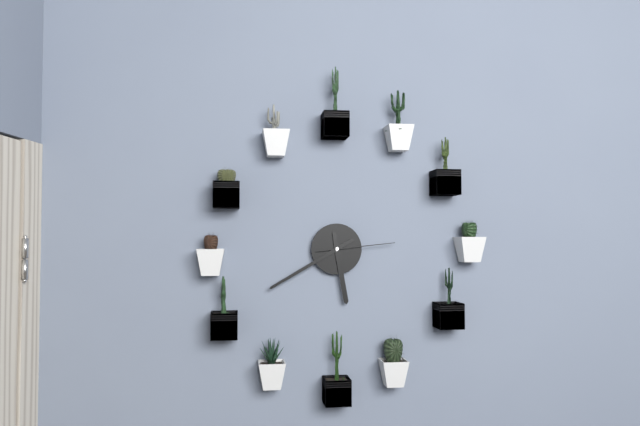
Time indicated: 5:40:14
